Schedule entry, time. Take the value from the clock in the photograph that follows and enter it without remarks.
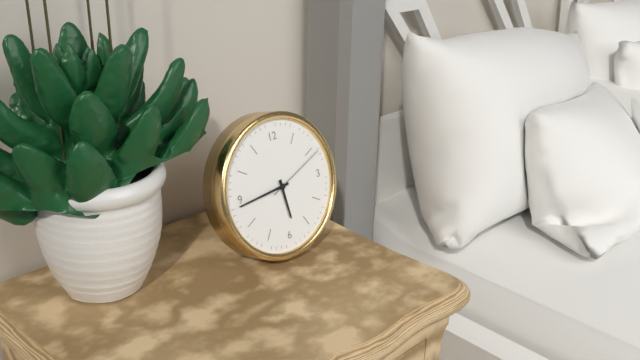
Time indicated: 5:44:11
